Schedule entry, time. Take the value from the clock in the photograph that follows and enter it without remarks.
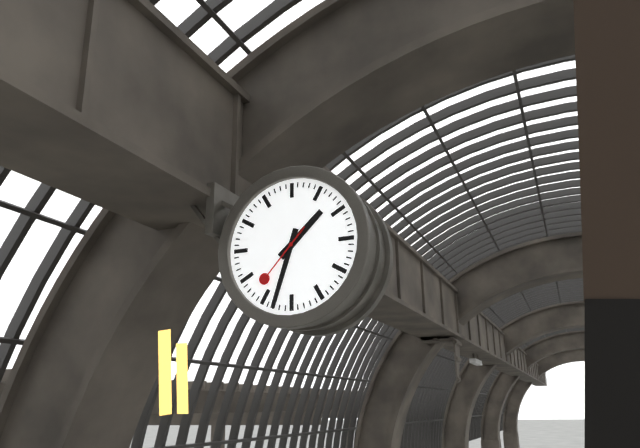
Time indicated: 1:33:37
